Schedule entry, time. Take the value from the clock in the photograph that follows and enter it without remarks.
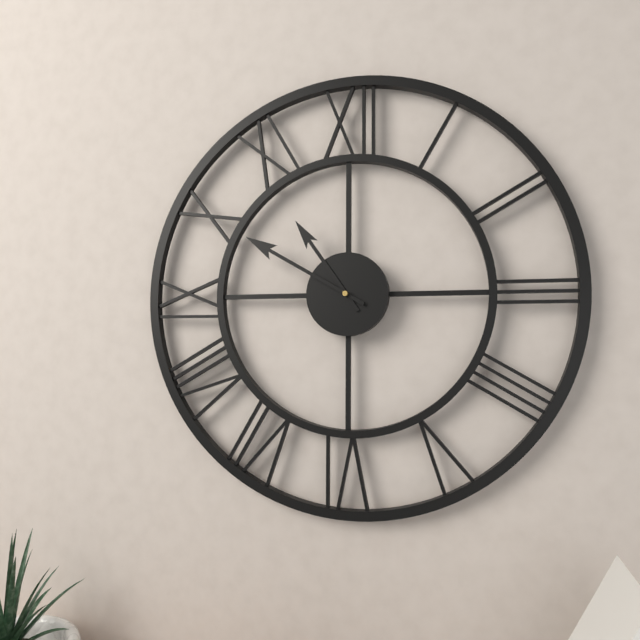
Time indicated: 10:50
